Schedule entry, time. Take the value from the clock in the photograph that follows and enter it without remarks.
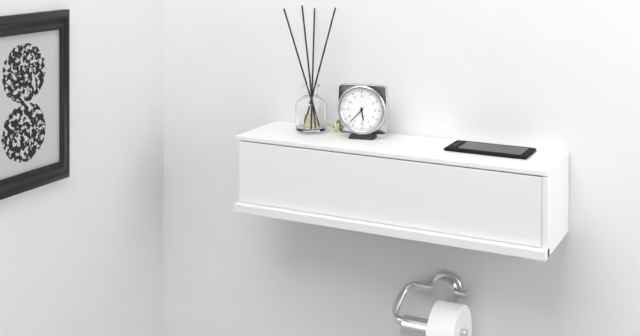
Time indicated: 5:37
